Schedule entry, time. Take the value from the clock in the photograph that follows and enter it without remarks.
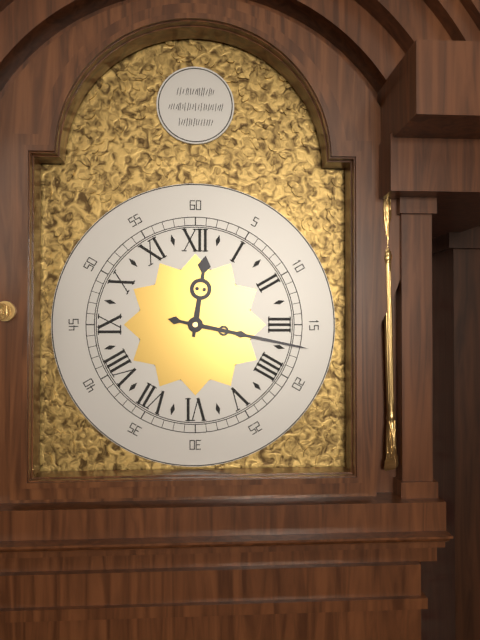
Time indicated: 12:17
